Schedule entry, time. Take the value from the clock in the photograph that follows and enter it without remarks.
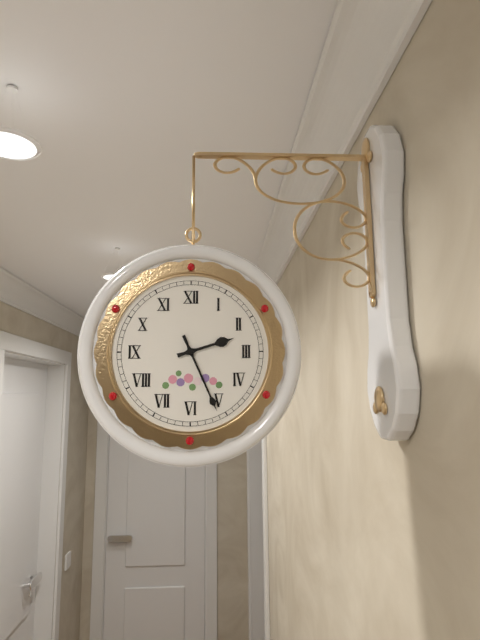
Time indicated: 2:26
